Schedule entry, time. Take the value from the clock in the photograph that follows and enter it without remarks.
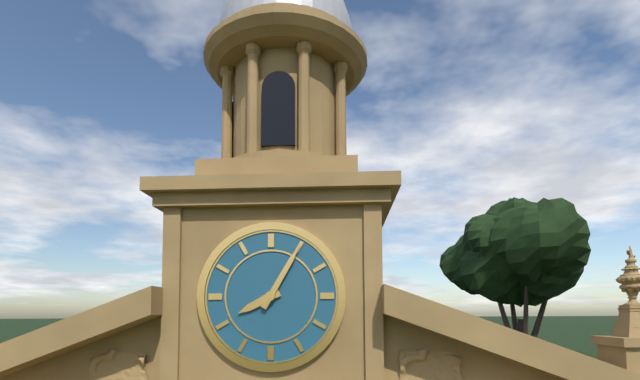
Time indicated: 8:05
